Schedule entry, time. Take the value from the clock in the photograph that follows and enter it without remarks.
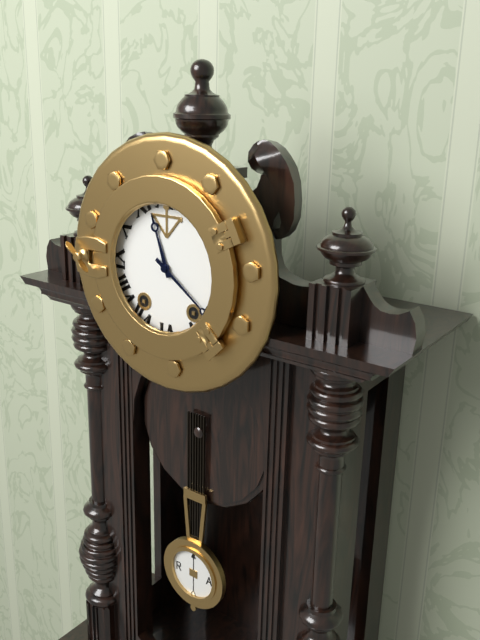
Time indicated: 11:21
